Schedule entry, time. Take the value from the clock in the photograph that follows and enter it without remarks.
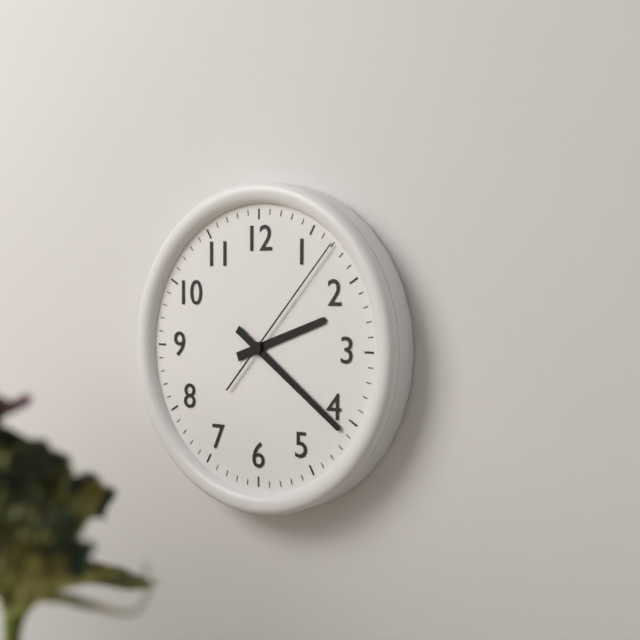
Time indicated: 2:21:07
